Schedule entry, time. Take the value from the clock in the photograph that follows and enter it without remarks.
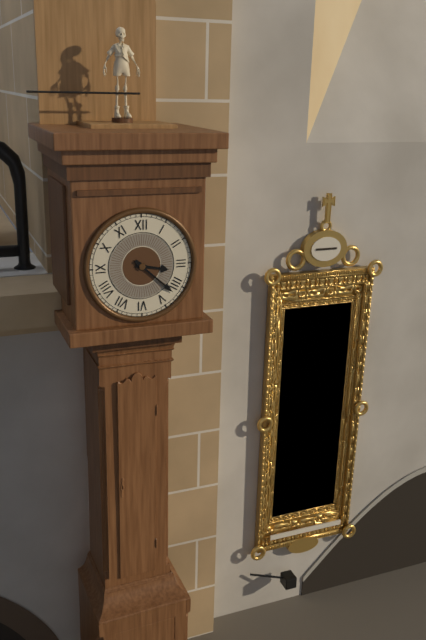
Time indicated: 3:22
